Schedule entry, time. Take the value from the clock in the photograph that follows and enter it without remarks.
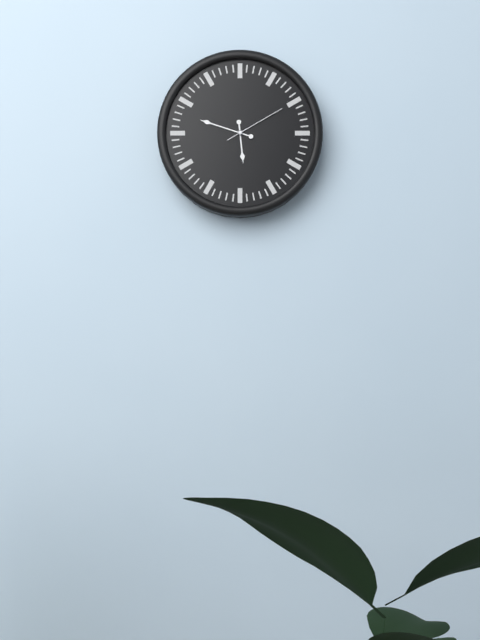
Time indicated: 5:48:10
